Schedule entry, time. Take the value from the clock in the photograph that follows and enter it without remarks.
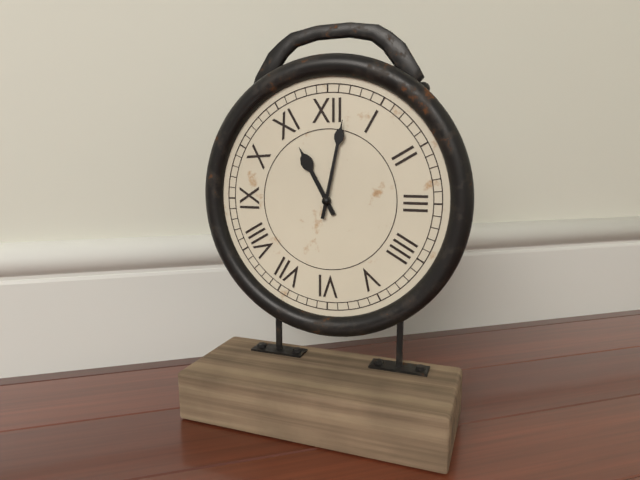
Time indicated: 11:02
